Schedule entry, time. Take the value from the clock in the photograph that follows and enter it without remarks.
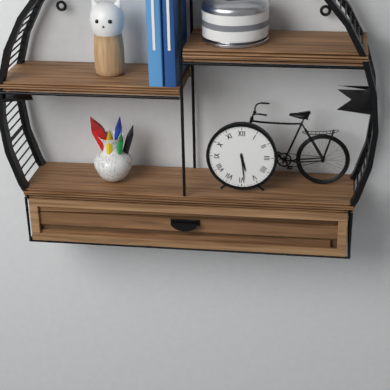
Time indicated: 5:29
